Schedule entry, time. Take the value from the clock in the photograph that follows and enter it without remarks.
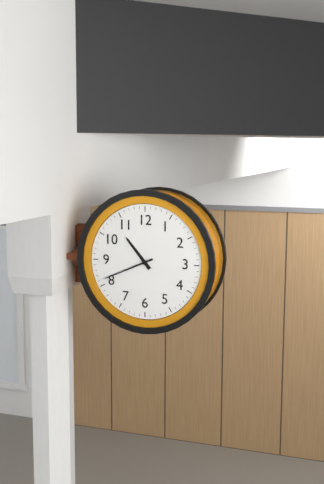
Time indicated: 10:41
